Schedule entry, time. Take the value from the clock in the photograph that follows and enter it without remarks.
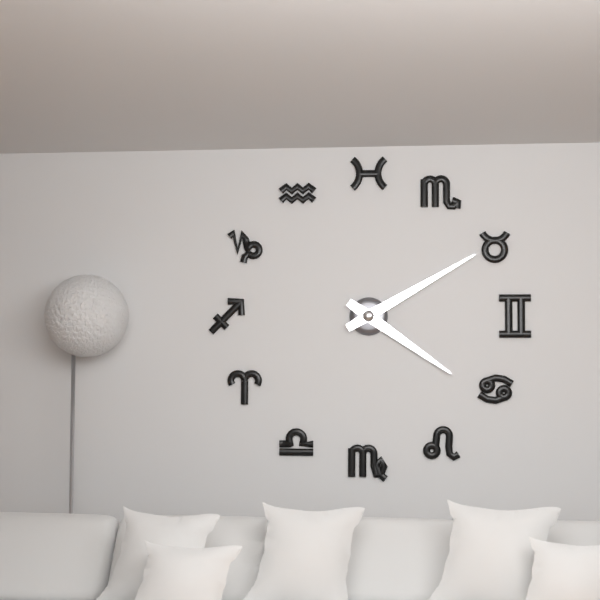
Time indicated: 4:10
